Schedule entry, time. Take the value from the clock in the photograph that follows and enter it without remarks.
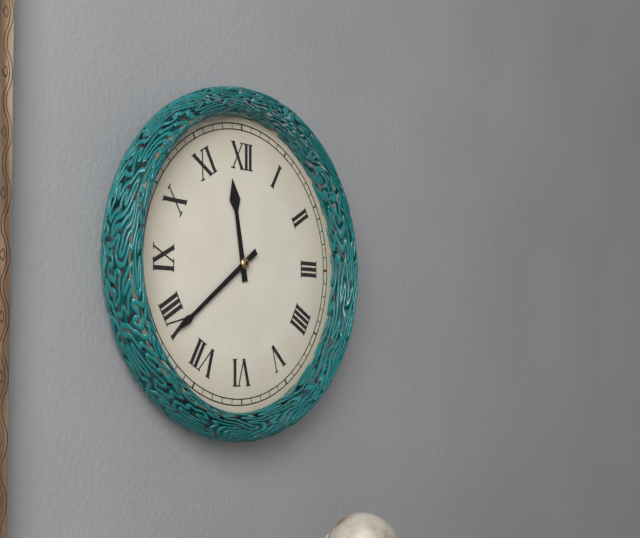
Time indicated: 11:39
